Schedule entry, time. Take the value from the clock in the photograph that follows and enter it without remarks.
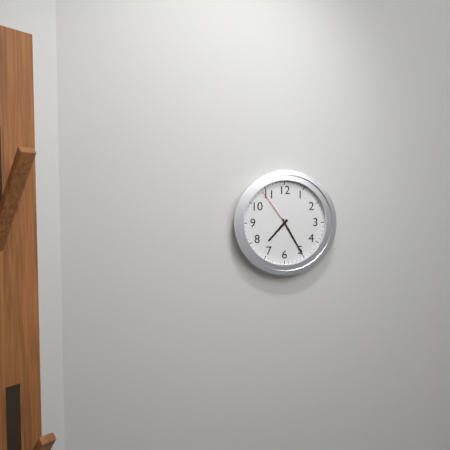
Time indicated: 7:25
